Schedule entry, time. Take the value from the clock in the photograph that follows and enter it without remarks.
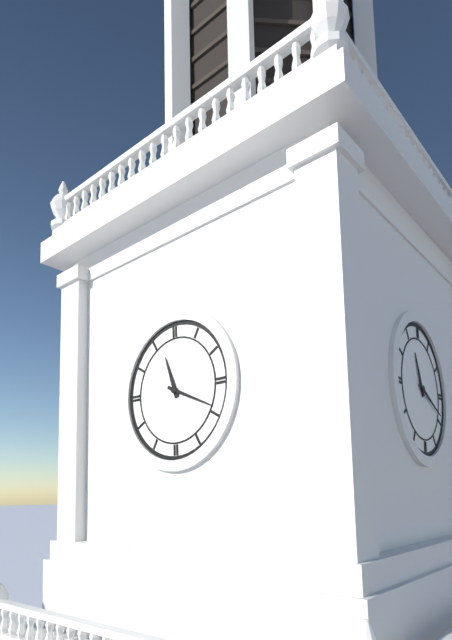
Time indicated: 11:19
